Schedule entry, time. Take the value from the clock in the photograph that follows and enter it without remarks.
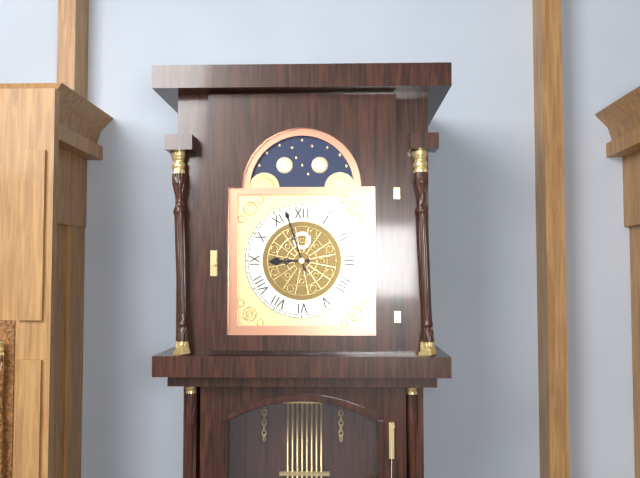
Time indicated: 8:57
